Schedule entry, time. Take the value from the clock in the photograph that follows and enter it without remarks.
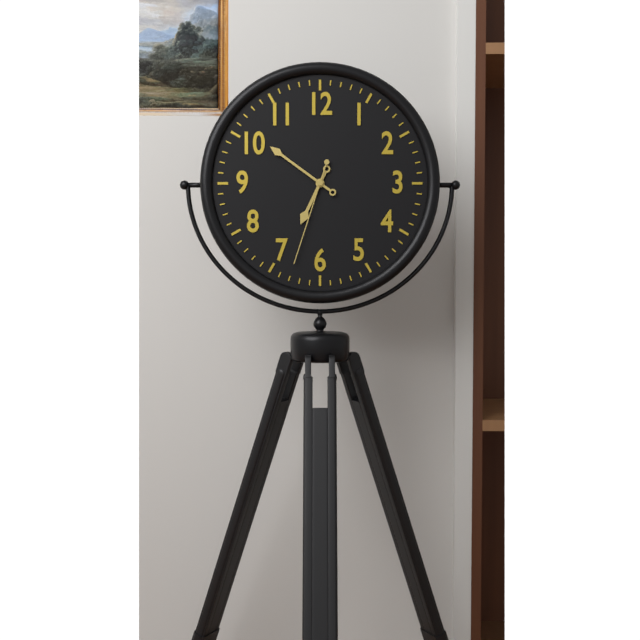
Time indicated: 6:51:33
